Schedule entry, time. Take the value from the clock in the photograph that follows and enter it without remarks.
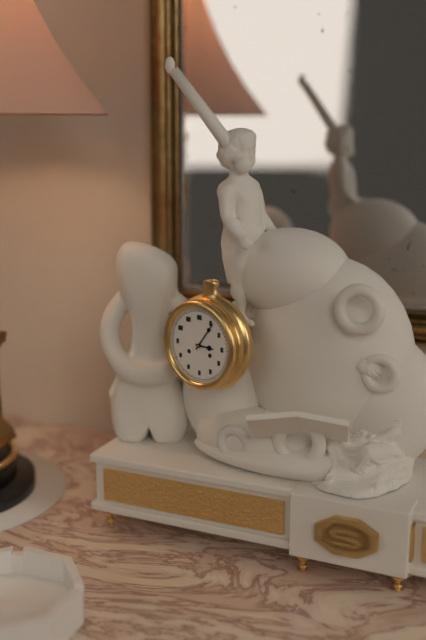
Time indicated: 3:06
